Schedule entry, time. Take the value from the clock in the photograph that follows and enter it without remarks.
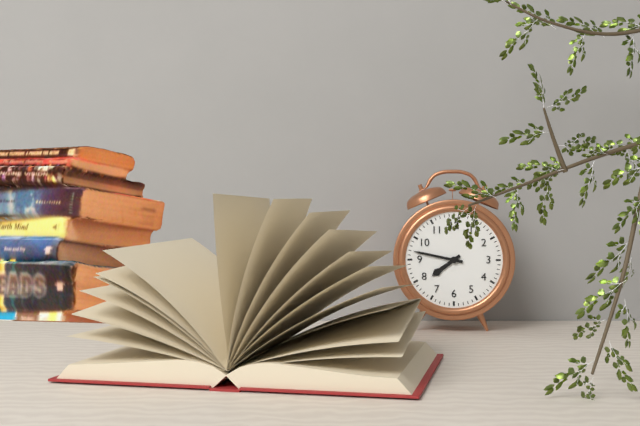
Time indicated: 7:47
